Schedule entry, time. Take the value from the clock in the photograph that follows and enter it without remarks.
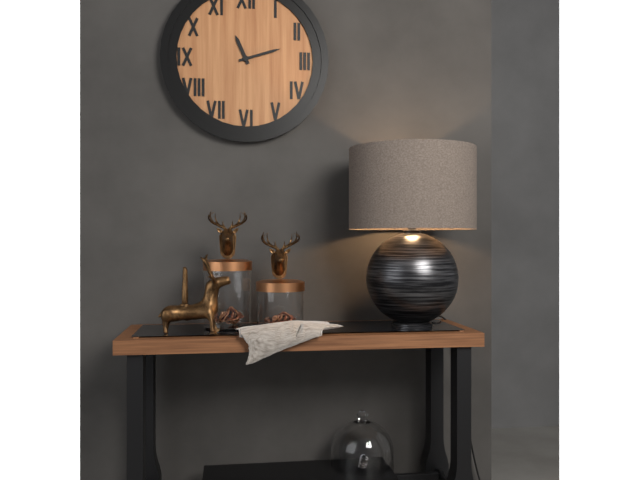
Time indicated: 11:12
